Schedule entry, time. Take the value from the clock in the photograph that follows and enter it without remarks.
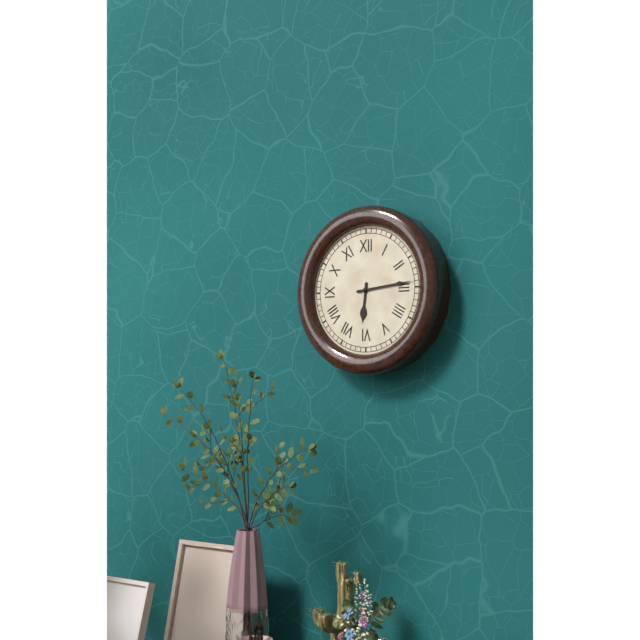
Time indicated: 6:14
